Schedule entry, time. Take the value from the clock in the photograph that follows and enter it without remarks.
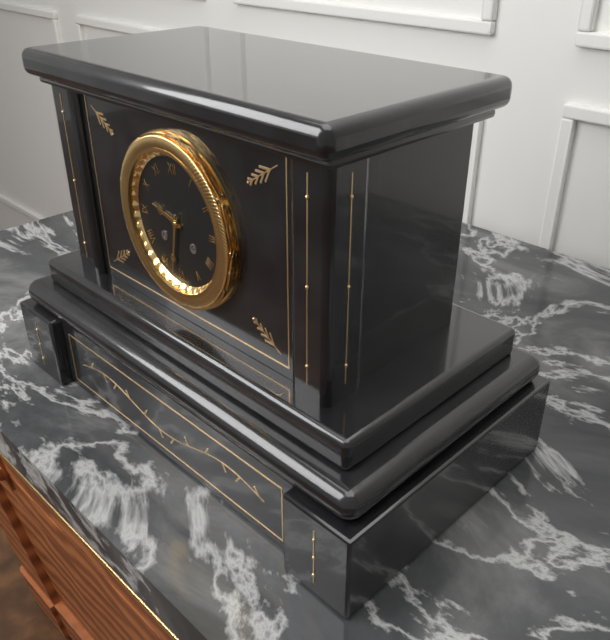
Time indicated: 9:32
